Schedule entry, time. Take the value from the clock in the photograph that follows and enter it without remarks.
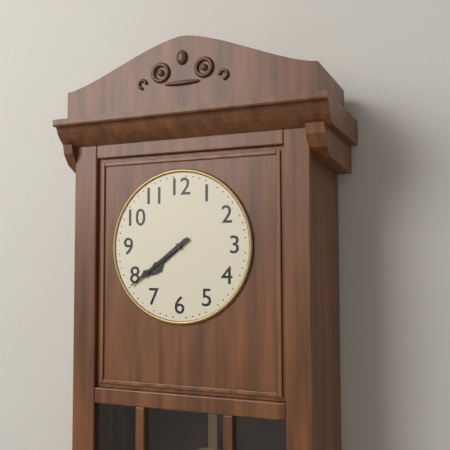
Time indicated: 7:39
